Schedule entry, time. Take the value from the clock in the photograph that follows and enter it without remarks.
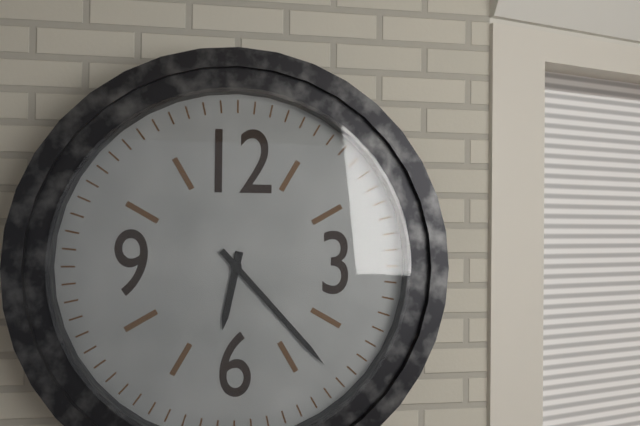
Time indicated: 6:23
